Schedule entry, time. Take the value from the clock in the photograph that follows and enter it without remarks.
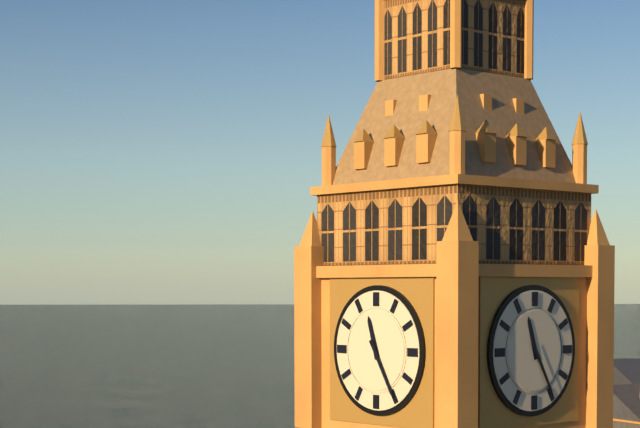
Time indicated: 11:25
